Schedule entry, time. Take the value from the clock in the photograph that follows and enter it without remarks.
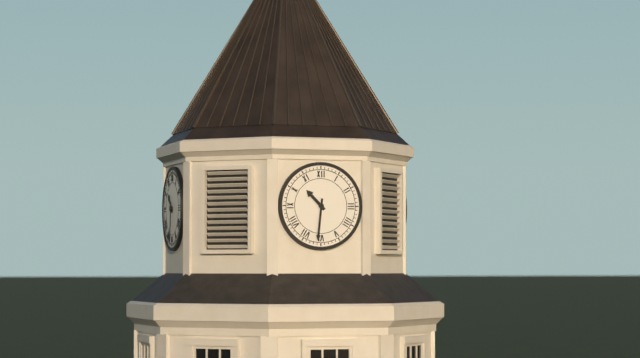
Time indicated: 10:31
